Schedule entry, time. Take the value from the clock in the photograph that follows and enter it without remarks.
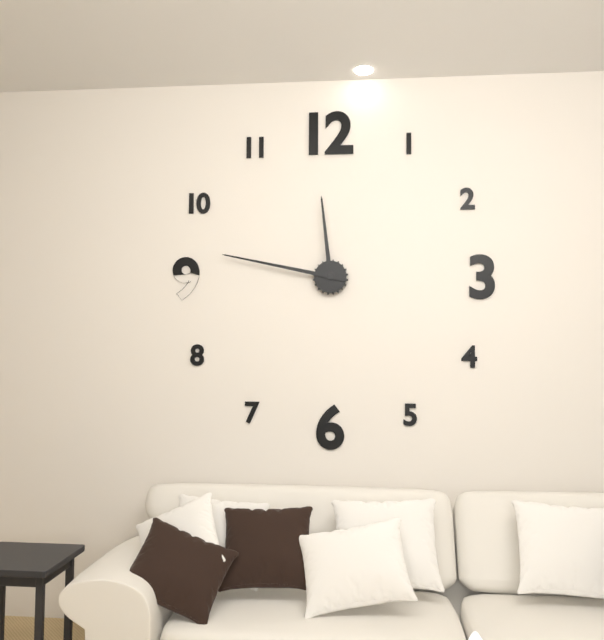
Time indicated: 11:47
